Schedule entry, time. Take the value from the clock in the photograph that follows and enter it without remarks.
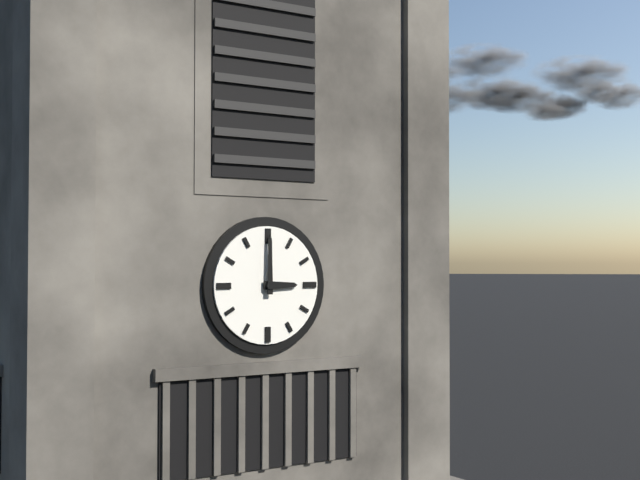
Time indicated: 3:00
